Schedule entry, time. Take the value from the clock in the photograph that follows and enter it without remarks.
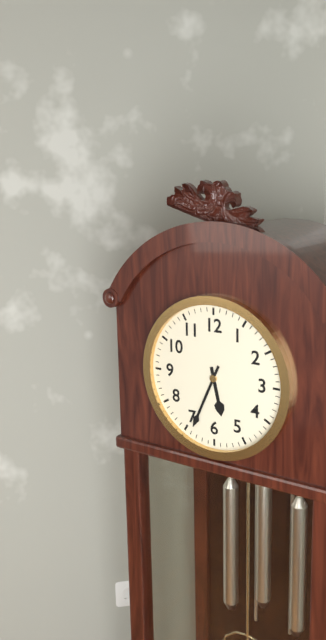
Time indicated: 5:34
